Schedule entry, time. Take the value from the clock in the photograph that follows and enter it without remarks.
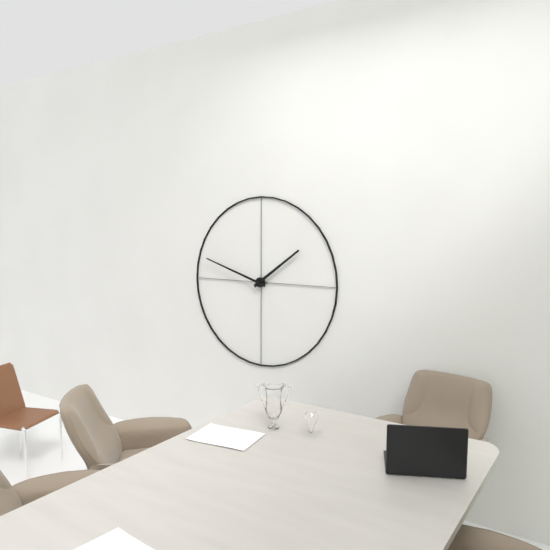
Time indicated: 1:48
